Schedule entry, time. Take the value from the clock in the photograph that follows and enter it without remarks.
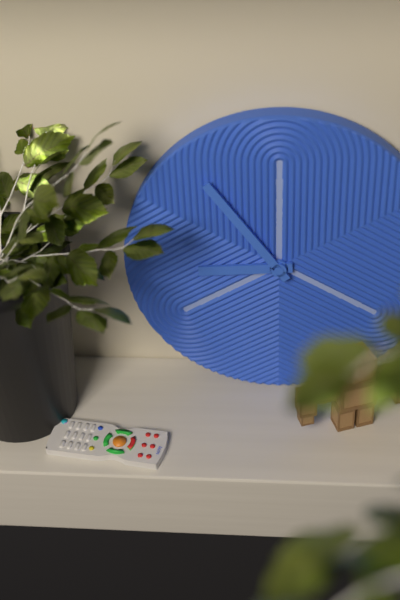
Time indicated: 8:54
